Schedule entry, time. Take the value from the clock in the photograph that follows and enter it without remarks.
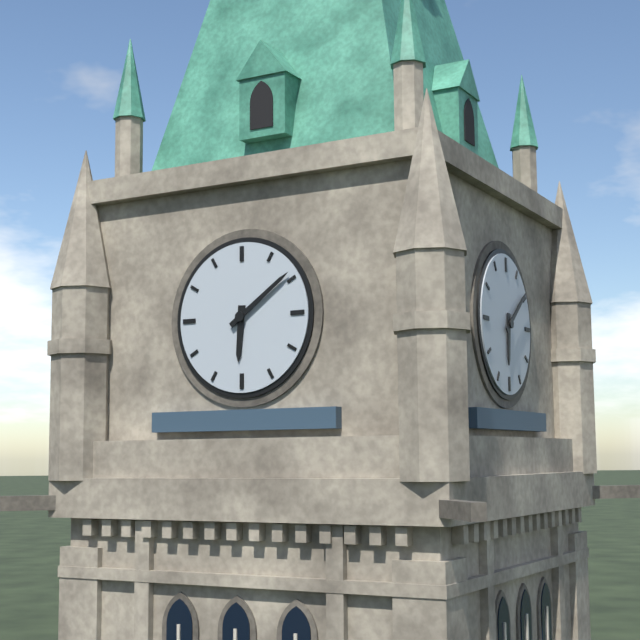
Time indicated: 6:09
